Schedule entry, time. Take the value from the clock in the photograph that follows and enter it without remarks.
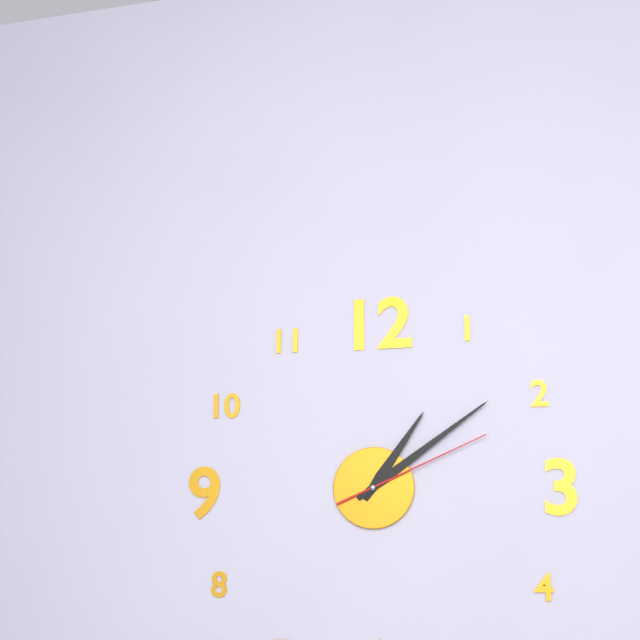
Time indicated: 1:09:11
